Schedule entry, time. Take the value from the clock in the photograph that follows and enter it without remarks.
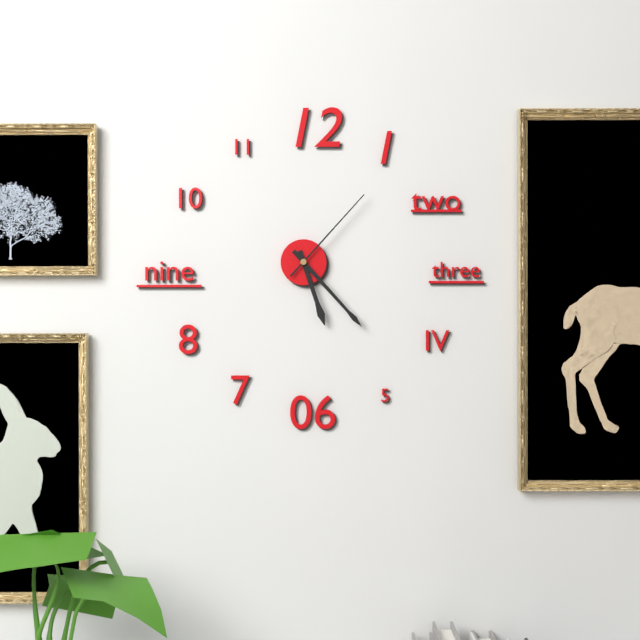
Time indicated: 5:23:07
